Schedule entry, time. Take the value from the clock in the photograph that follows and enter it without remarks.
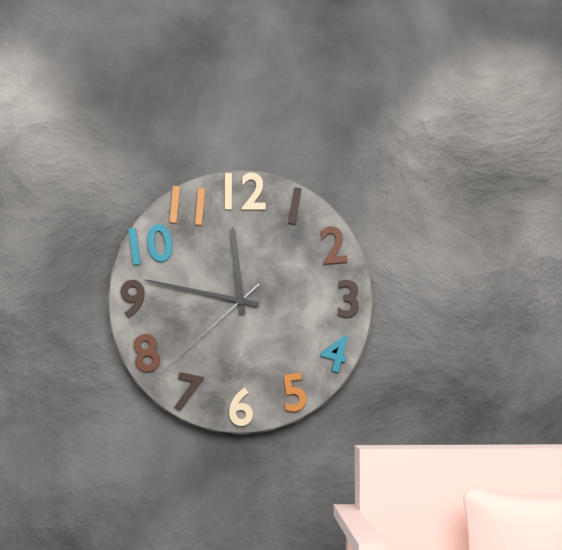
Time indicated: 11:47:38
